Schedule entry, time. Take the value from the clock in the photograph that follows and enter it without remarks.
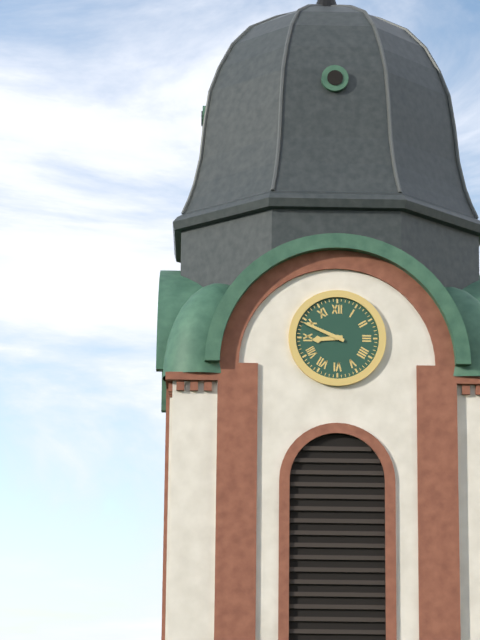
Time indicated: 8:49
